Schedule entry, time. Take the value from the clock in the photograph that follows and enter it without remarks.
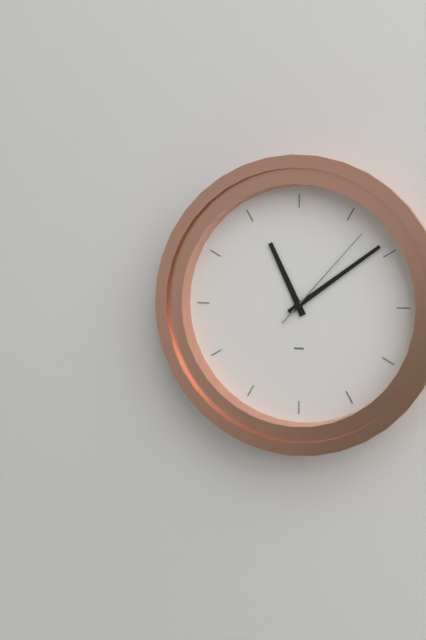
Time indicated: 11:09:07
